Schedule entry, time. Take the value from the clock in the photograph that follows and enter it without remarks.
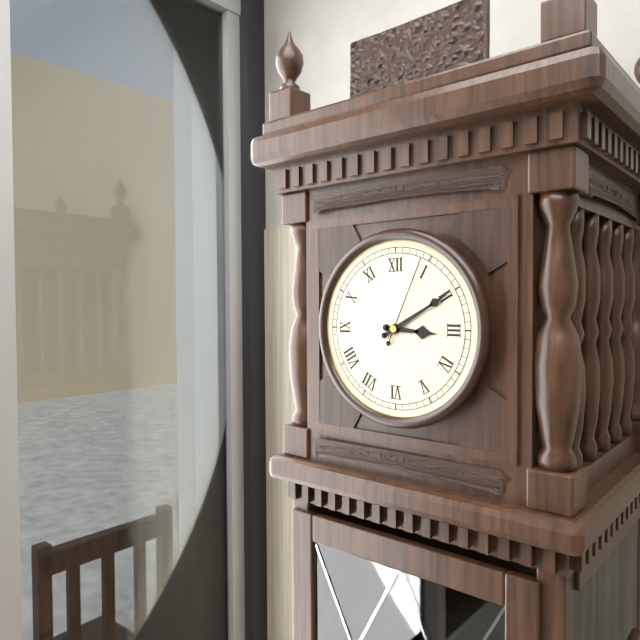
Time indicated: 3:10:04
